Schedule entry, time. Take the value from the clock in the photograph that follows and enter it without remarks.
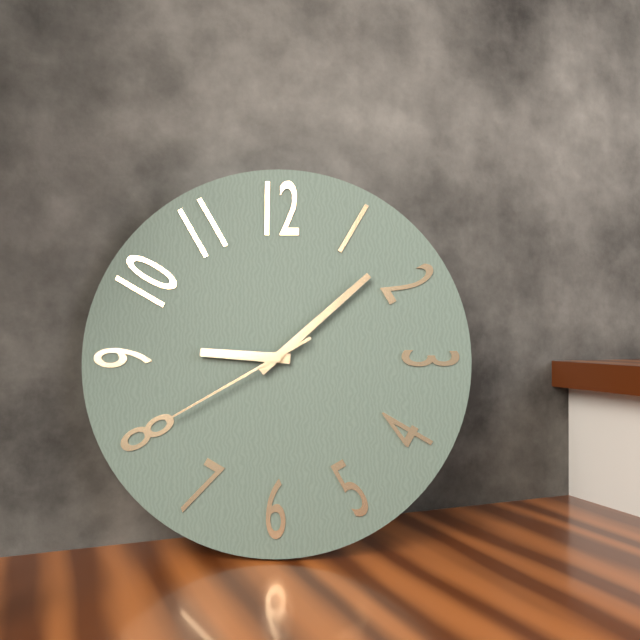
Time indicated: 9:08:40
